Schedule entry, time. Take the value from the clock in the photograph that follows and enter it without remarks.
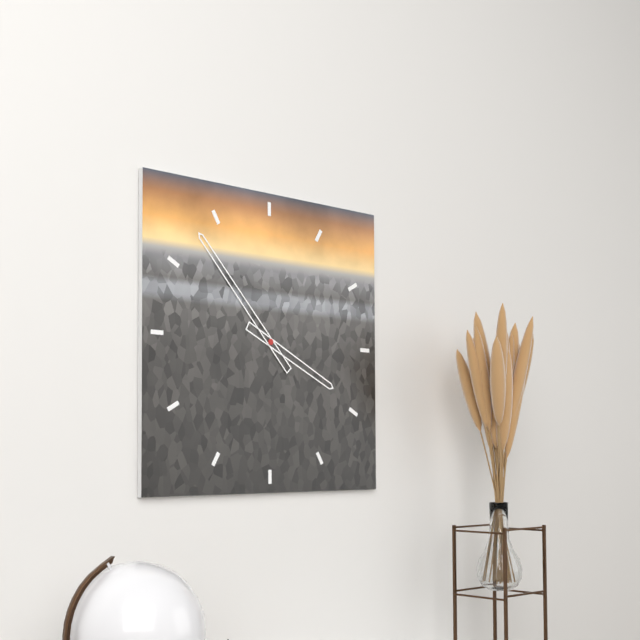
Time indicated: 3:53
